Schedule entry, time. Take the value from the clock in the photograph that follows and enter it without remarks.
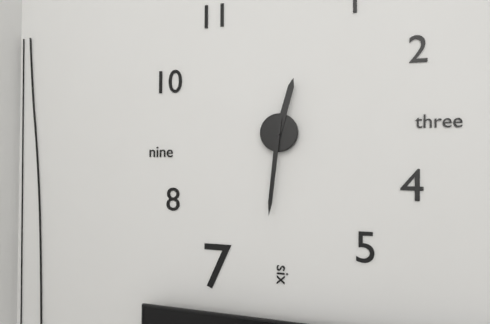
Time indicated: 12:31
